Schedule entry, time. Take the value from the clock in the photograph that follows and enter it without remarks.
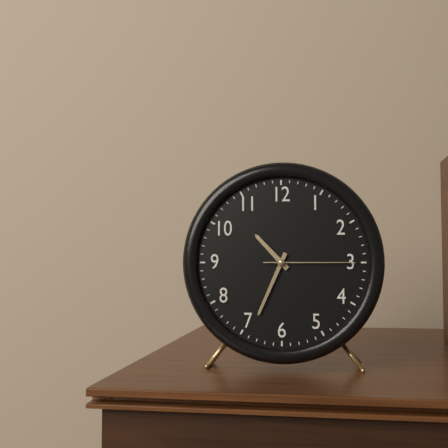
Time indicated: 10:34:15
